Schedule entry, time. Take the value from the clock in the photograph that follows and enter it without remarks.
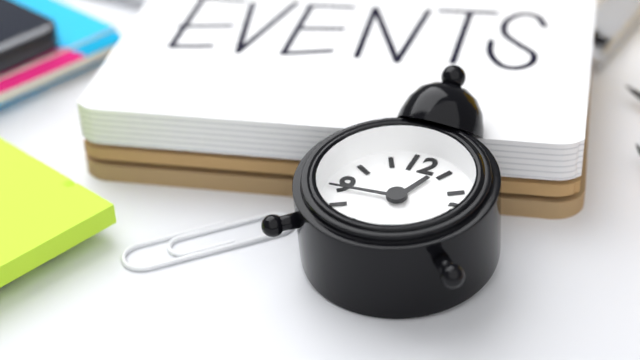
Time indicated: 12:44
